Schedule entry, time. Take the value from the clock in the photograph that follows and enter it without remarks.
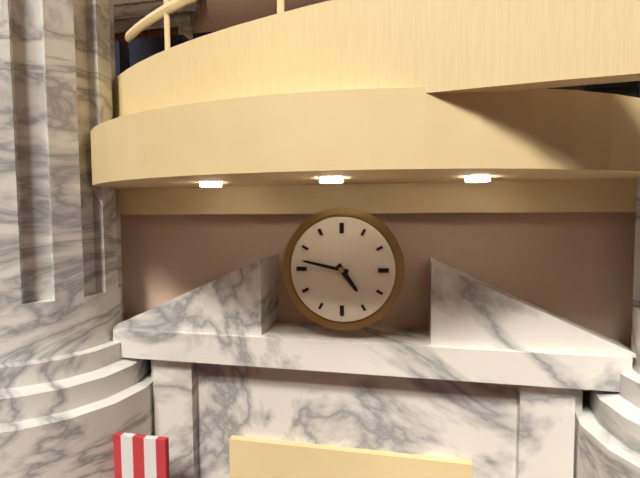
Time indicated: 4:47
